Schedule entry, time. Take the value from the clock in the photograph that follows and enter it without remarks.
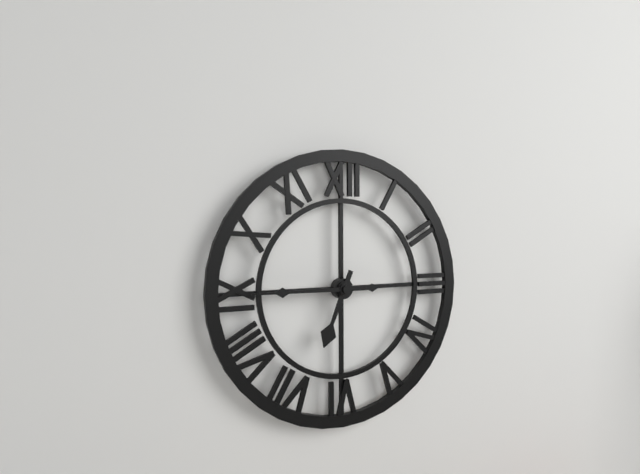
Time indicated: 6:45
